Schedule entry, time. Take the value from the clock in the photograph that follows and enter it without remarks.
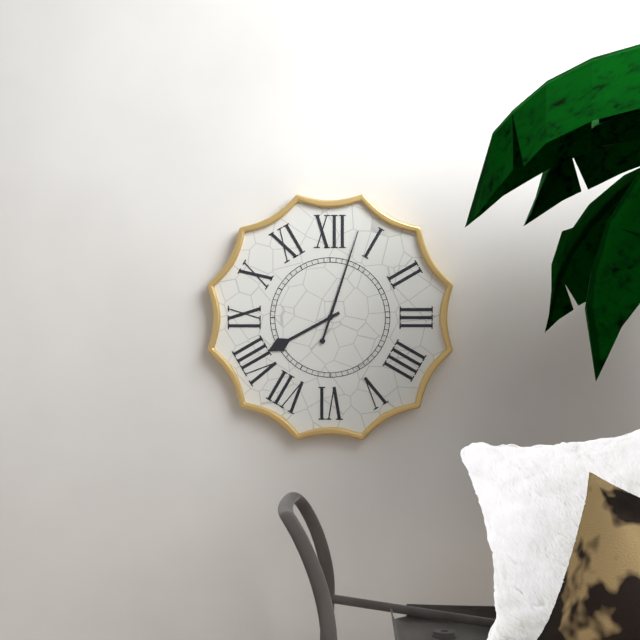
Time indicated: 8:03
